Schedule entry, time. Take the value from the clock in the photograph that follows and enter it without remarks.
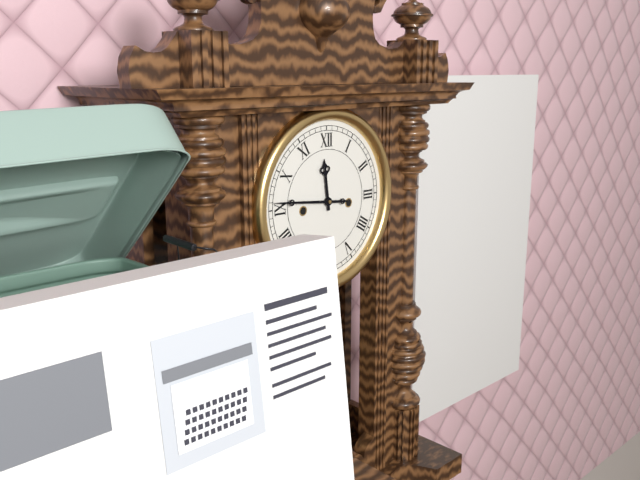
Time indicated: 11:46
